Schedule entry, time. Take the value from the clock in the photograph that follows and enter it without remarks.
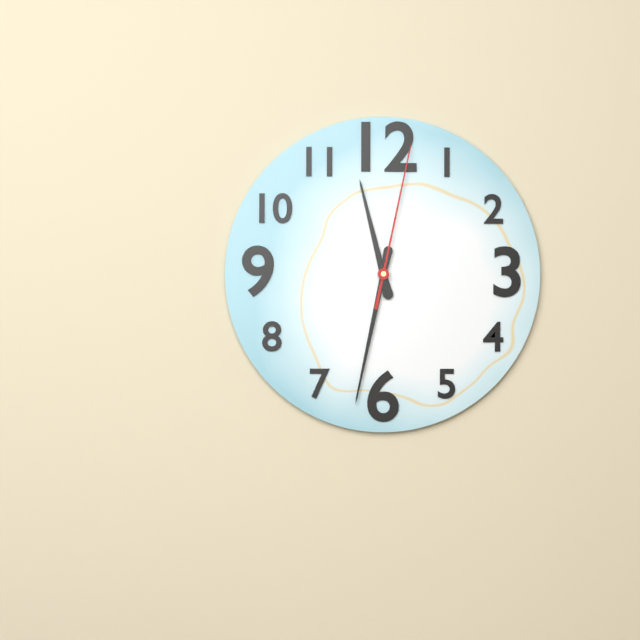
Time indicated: 11:32:02
